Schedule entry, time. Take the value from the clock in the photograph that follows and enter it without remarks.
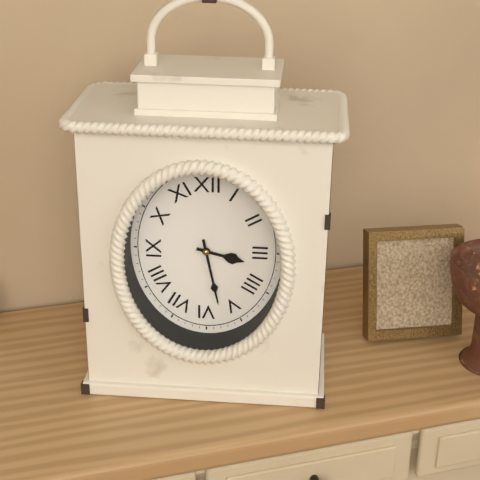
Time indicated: 3:28
